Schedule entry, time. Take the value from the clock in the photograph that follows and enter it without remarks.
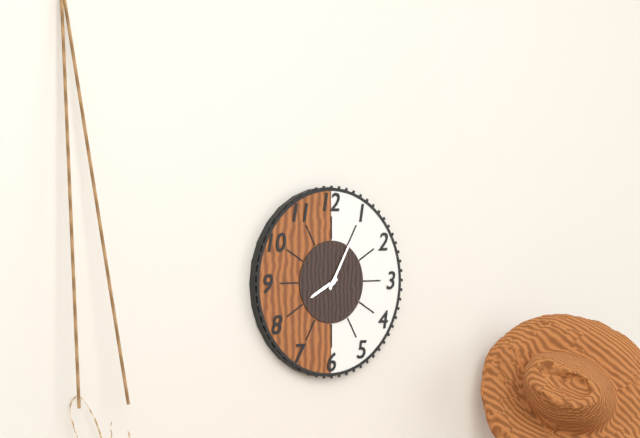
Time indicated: 8:05
